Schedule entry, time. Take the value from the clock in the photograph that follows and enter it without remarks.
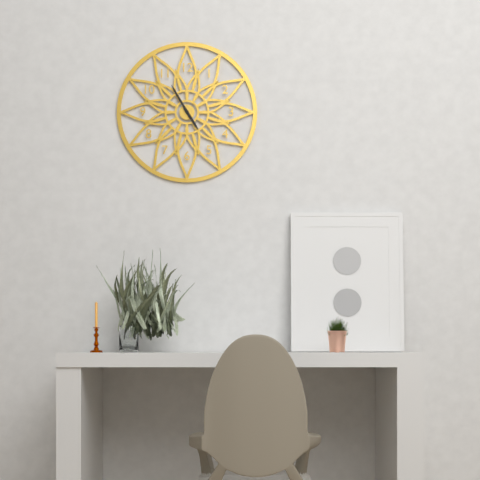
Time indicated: 4:55
